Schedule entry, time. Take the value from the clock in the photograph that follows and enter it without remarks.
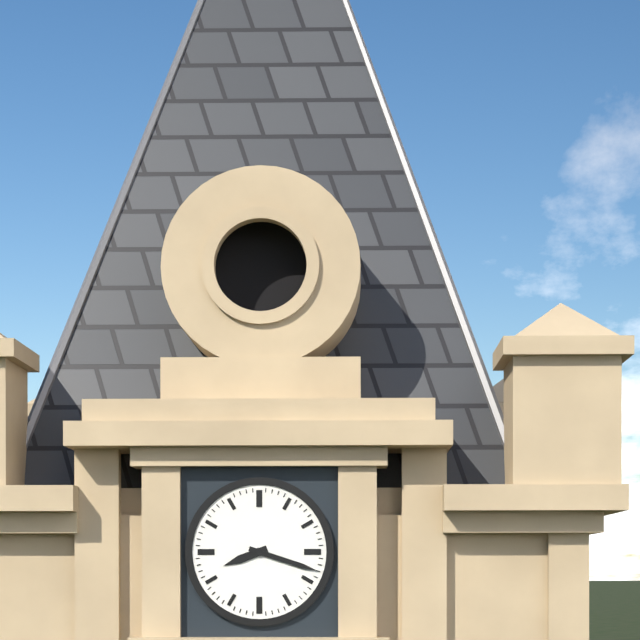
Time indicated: 8:18
